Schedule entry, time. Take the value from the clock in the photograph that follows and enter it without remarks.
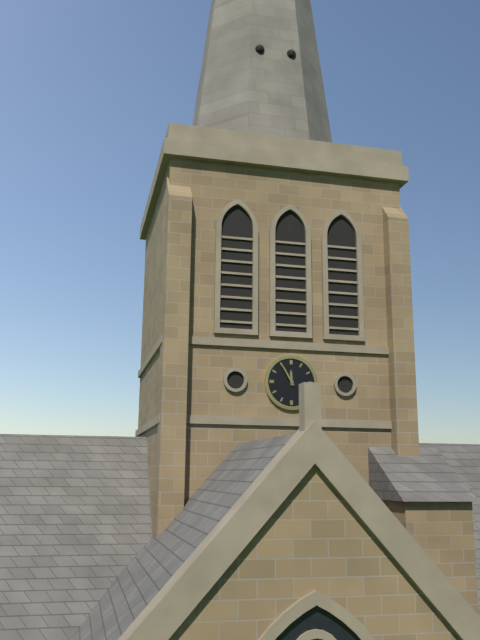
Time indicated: 11:55
